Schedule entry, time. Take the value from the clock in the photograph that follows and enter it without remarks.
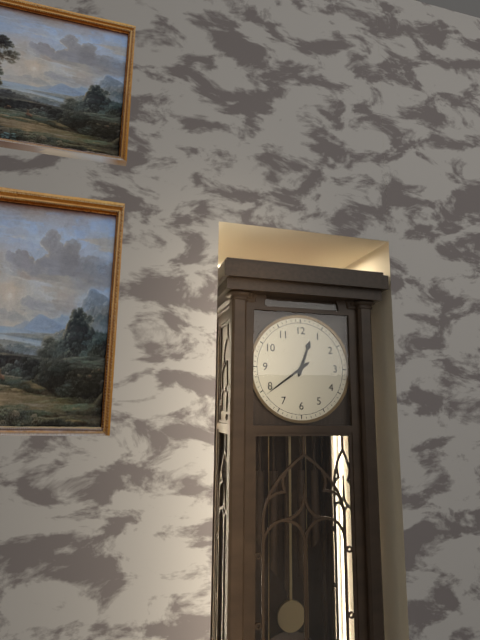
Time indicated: 12:39
